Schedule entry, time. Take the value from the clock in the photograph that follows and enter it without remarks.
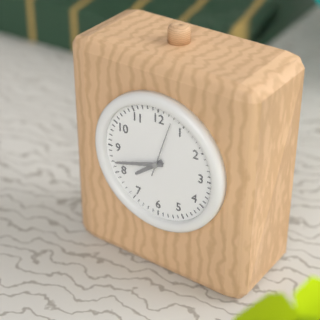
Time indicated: 7:42:03
